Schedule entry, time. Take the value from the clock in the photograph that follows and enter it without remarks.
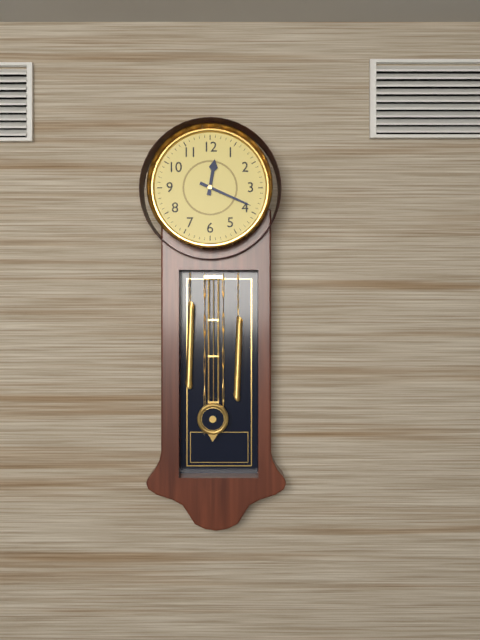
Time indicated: 12:19
